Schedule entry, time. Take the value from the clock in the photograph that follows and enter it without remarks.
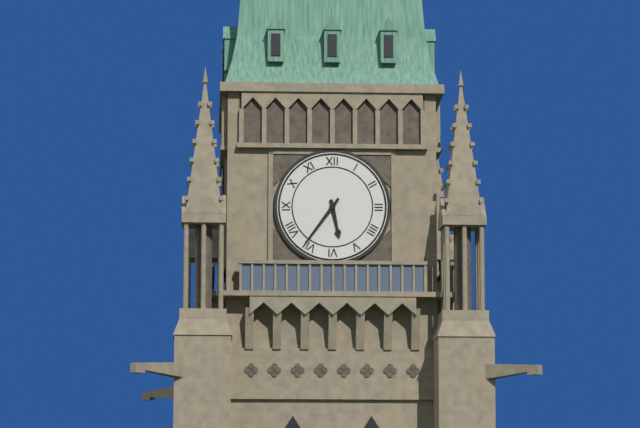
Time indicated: 5:36
